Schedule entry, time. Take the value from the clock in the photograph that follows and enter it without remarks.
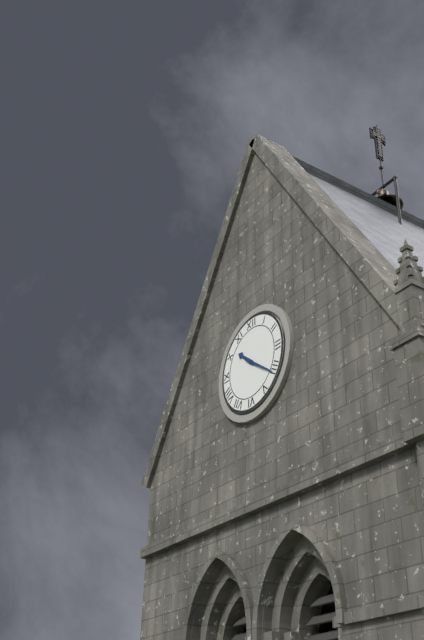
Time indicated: 10:21
